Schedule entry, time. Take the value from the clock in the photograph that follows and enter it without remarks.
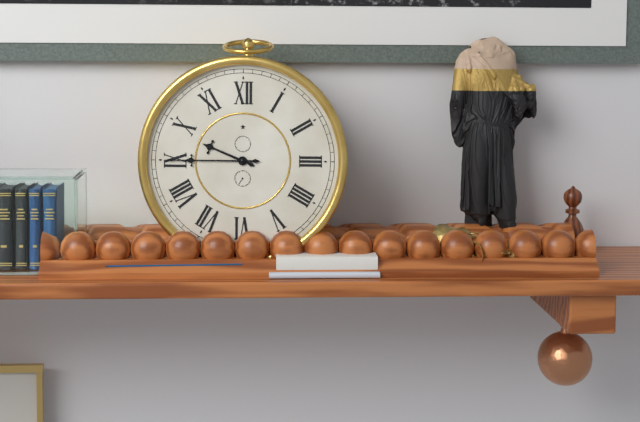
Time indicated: 9:45
